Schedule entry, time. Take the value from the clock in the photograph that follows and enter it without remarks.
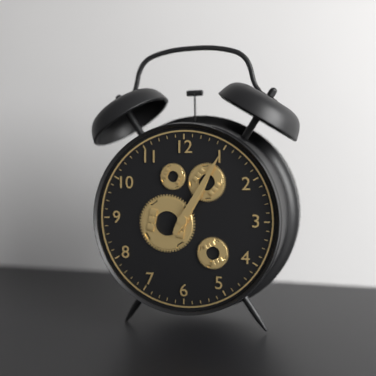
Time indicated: 1:05
